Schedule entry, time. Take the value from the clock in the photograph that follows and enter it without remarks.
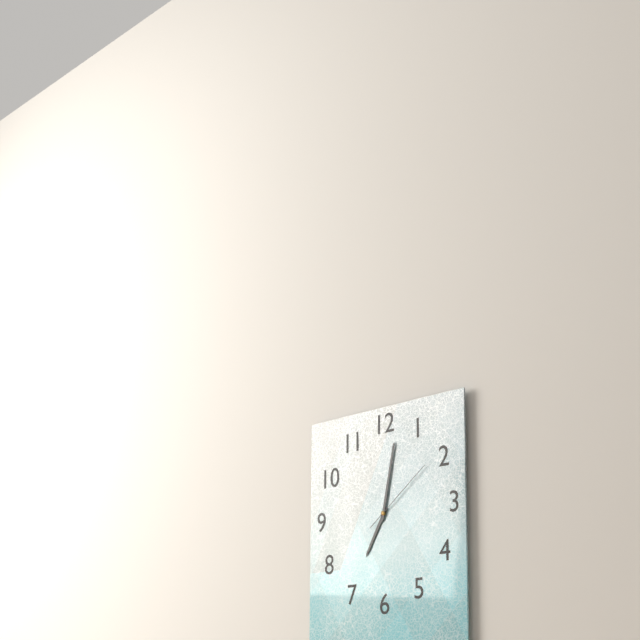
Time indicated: 7:02:09
